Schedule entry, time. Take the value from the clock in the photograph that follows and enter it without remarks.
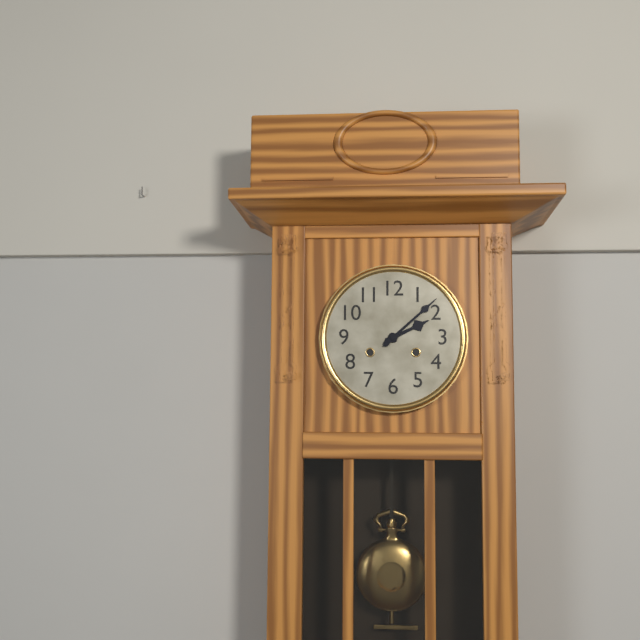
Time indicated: 2:08
